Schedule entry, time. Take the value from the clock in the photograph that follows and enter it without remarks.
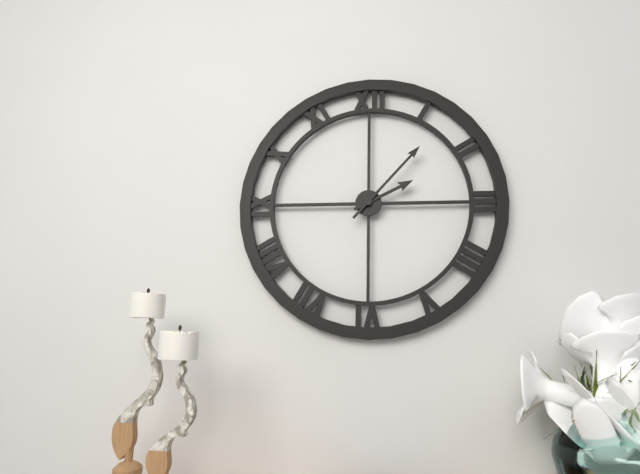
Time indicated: 2:07
